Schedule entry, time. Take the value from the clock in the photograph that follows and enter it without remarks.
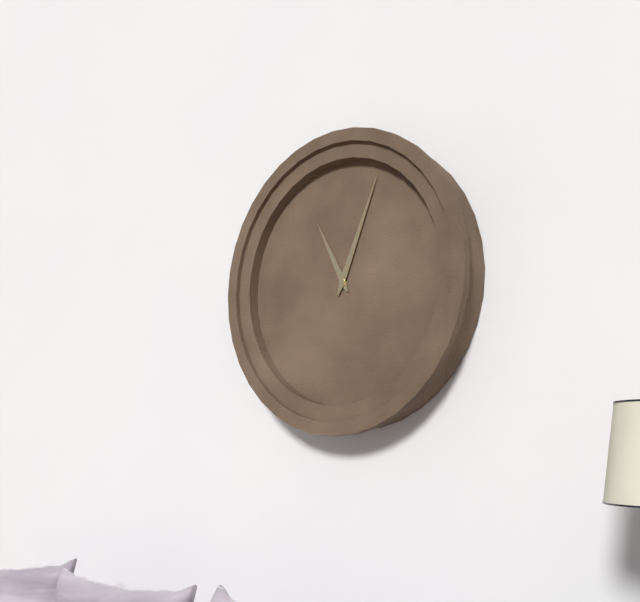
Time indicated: 11:04
